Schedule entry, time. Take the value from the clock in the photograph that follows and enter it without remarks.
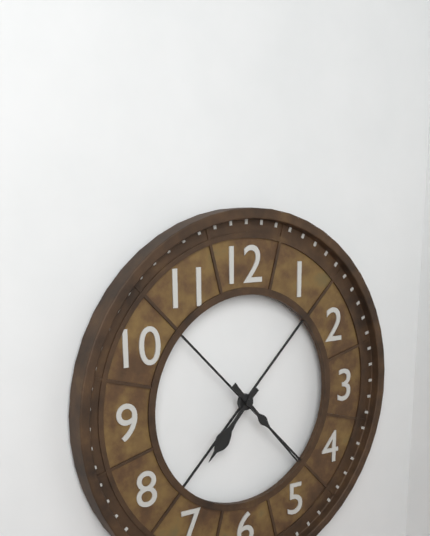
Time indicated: 7:23
